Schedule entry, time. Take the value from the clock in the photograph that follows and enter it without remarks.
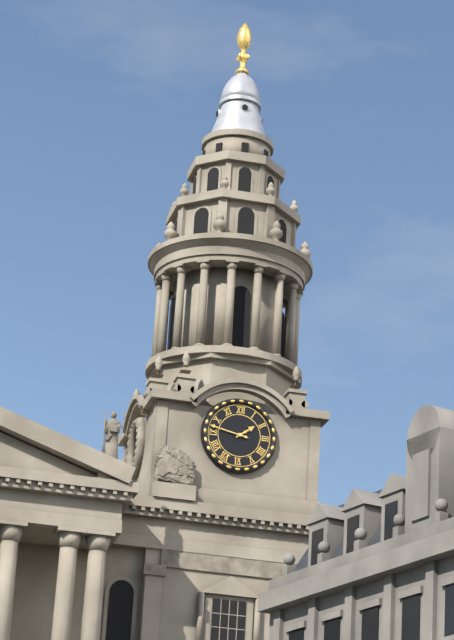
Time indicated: 1:47
